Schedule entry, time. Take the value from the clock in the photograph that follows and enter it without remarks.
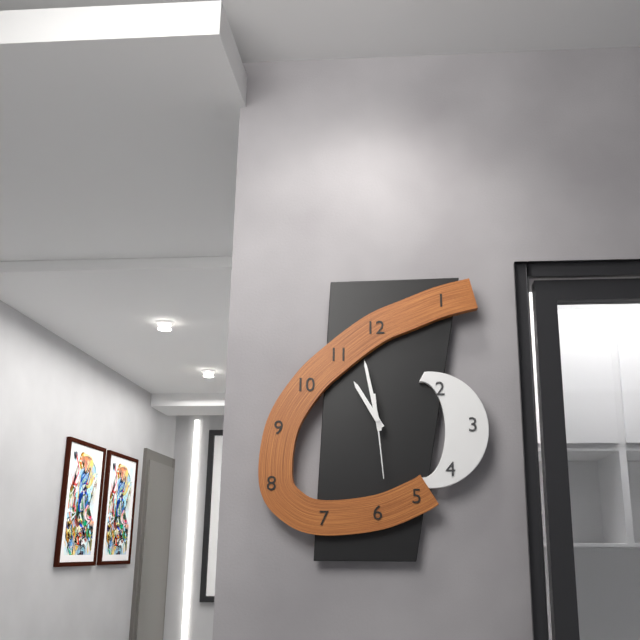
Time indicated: 10:58:29
